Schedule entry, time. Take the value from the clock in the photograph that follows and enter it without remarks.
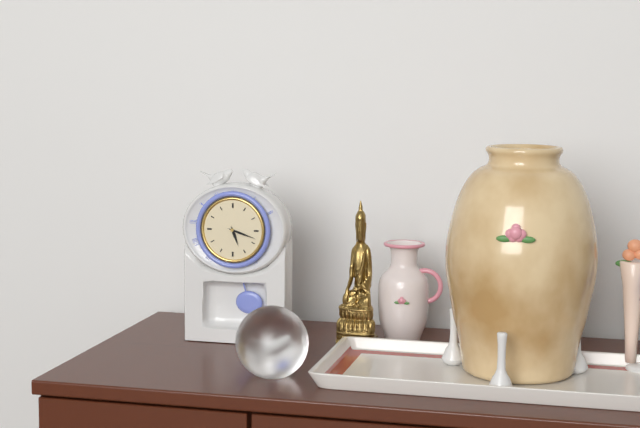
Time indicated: 5:18
